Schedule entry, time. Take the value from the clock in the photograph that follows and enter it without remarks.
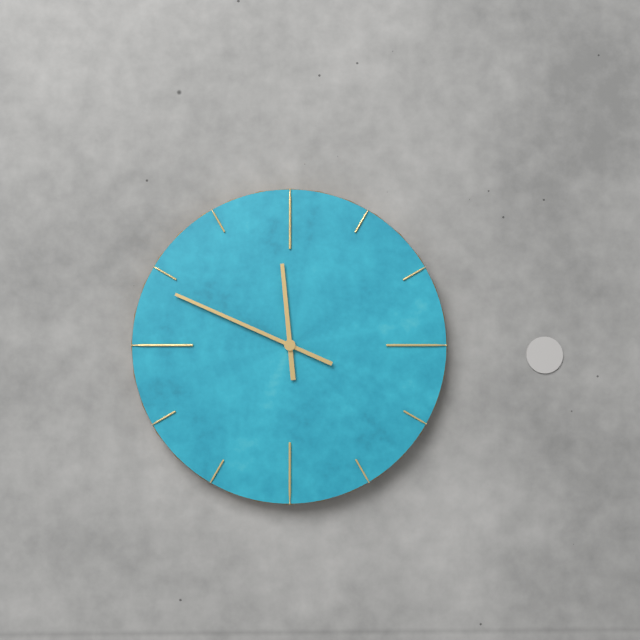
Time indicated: 11:49
